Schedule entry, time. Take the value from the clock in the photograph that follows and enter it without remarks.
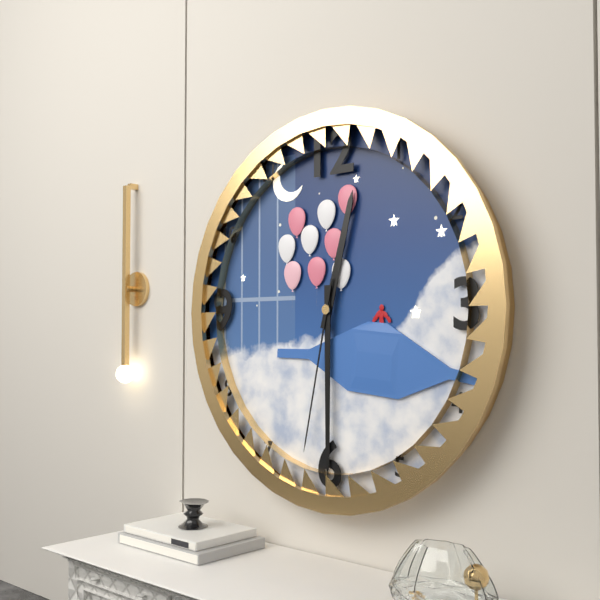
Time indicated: 12:30:32
